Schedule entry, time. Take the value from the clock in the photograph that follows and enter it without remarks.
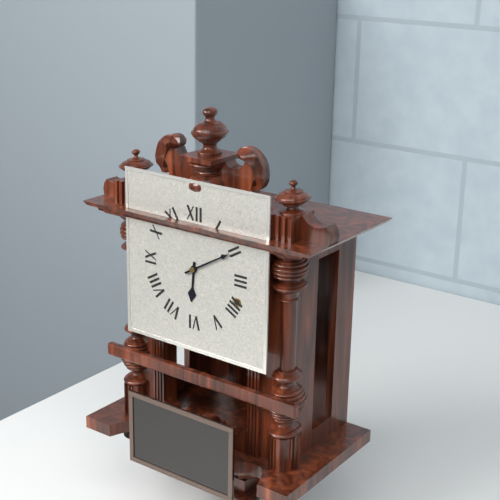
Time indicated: 6:10
